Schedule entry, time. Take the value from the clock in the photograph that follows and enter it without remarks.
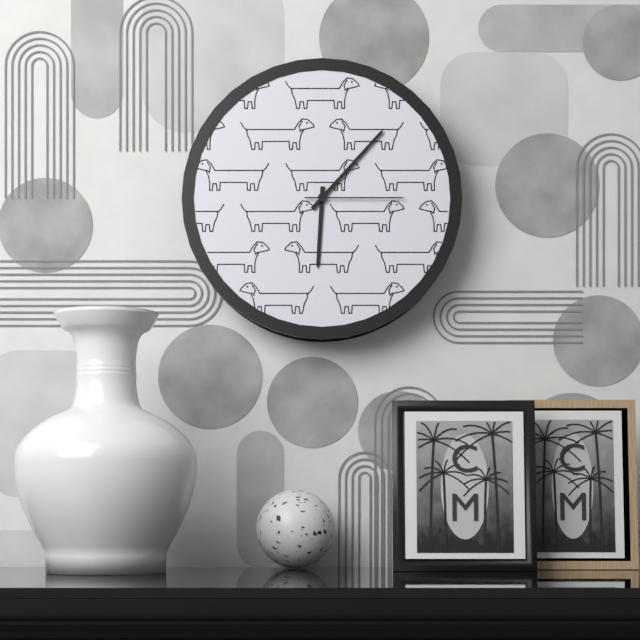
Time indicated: 6:07:15
